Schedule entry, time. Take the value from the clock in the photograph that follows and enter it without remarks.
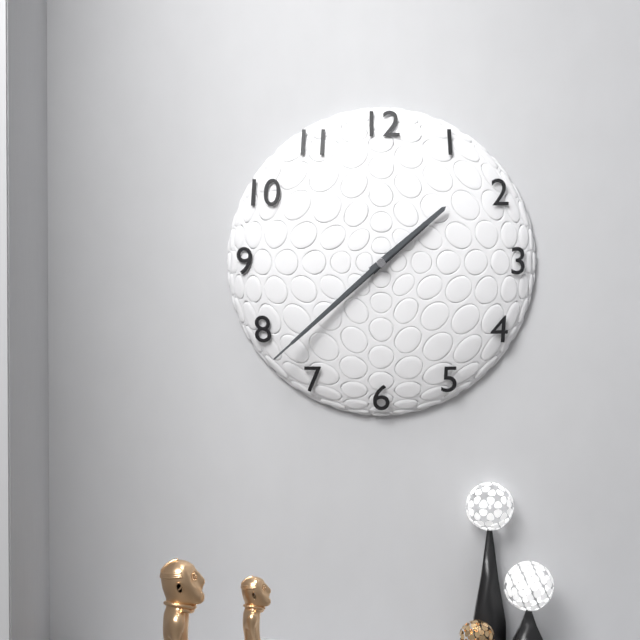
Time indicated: 1:38:38
